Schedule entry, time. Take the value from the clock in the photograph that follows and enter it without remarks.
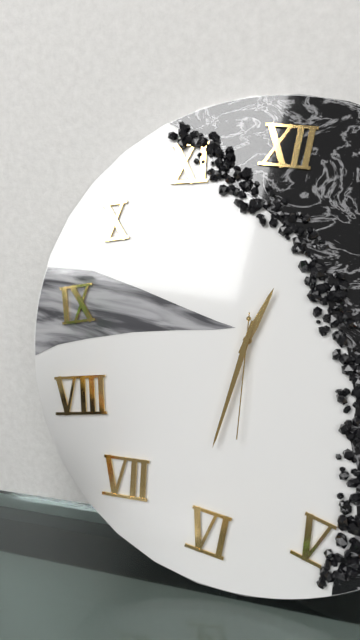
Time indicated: 12:31:29
